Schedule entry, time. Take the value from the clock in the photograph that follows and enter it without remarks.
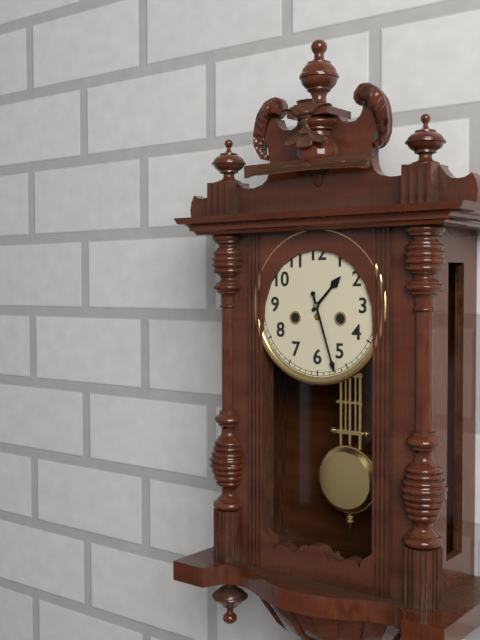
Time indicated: 1:27
